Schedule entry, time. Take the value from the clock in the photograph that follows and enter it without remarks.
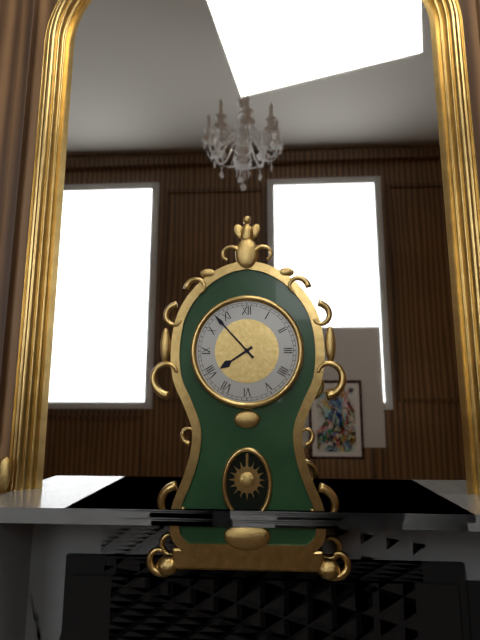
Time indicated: 7:53
